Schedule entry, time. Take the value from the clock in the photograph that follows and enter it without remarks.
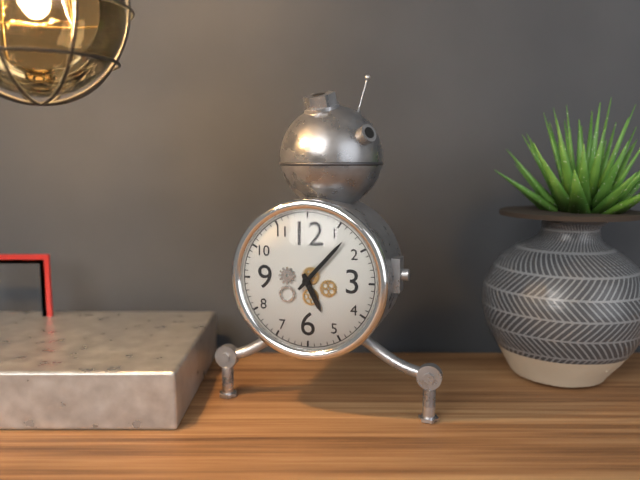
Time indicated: 5:07
